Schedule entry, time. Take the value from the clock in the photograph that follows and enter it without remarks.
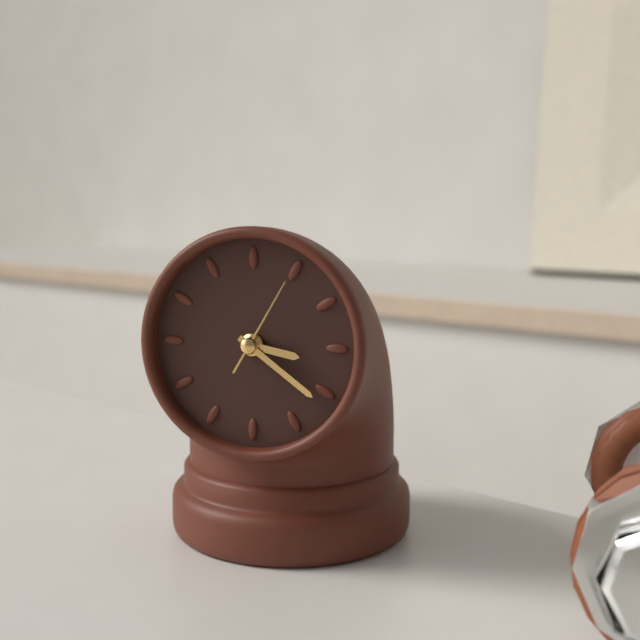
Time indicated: 3:21:05
